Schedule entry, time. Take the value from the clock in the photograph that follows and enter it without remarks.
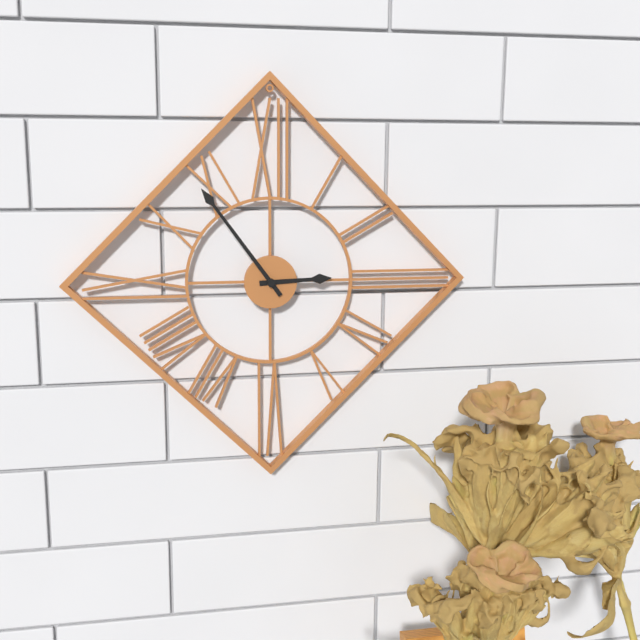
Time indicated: 2:54
